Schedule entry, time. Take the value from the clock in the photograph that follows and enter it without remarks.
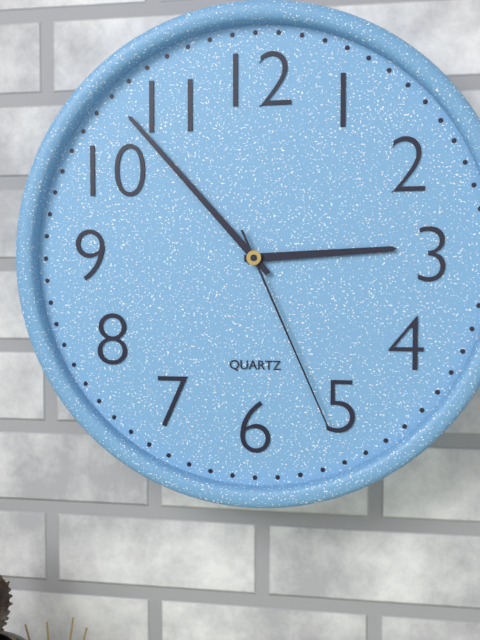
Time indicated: 2:53:26
